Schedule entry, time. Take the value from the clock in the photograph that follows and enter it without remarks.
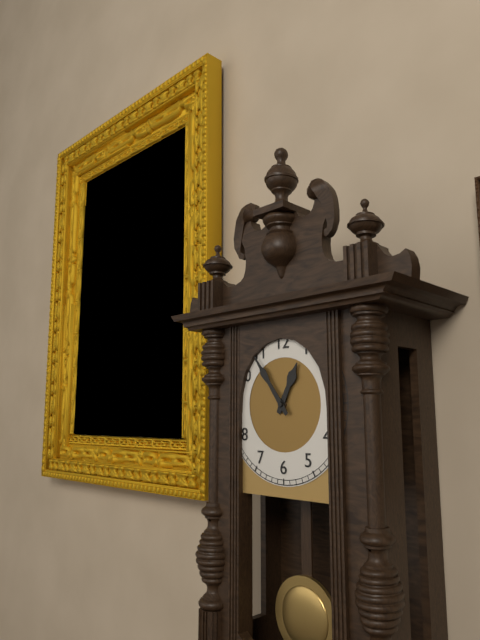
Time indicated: 12:54
